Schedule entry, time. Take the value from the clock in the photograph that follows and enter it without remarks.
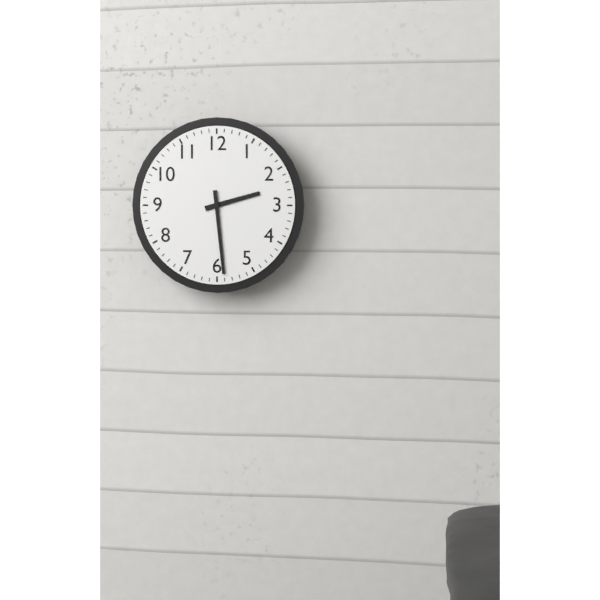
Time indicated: 2:29
